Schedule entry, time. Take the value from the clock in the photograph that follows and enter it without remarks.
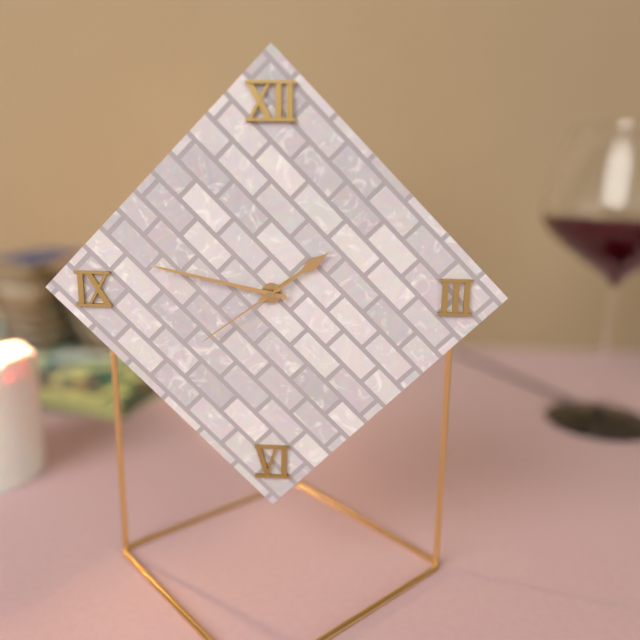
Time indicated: 1:47:39
